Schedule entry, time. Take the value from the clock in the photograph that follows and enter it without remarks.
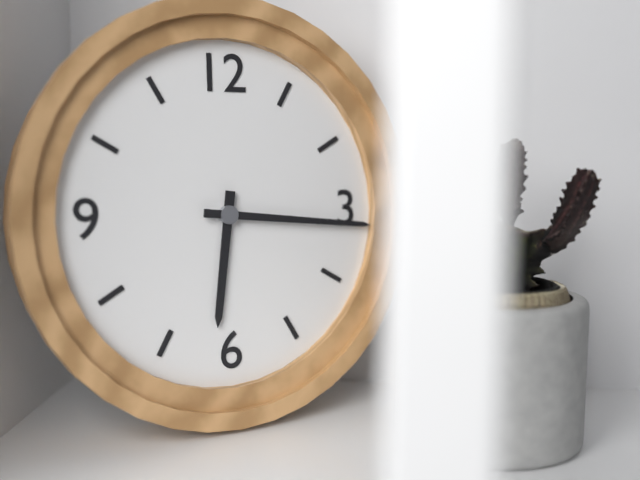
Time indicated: 6:16
